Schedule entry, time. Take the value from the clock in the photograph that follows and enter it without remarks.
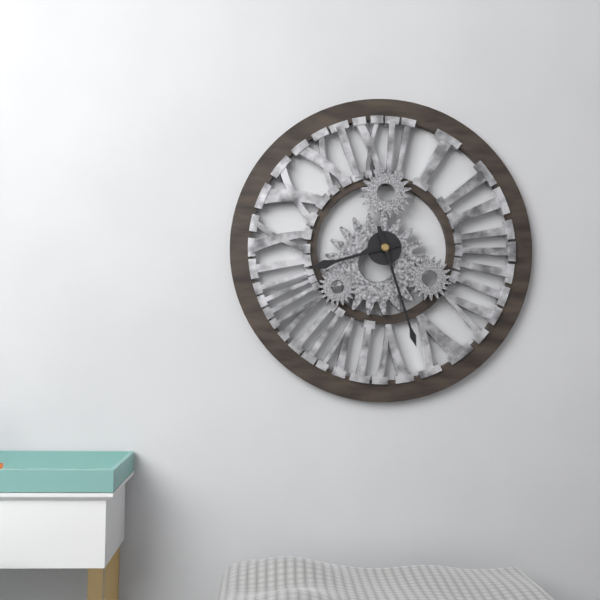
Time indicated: 8:27
